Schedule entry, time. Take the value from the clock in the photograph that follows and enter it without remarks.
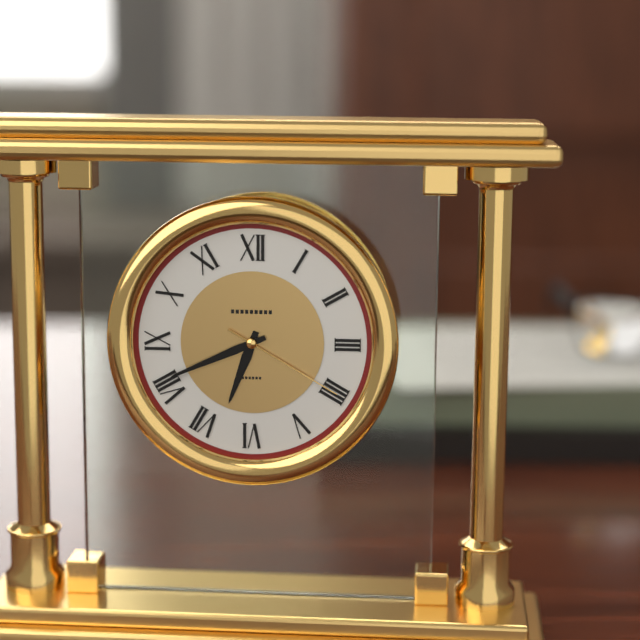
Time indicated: 6:41:20
